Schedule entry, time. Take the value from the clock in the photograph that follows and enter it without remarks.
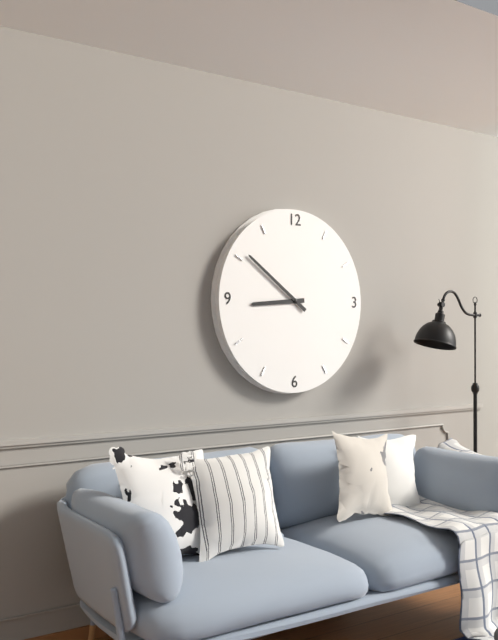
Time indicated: 8:51
